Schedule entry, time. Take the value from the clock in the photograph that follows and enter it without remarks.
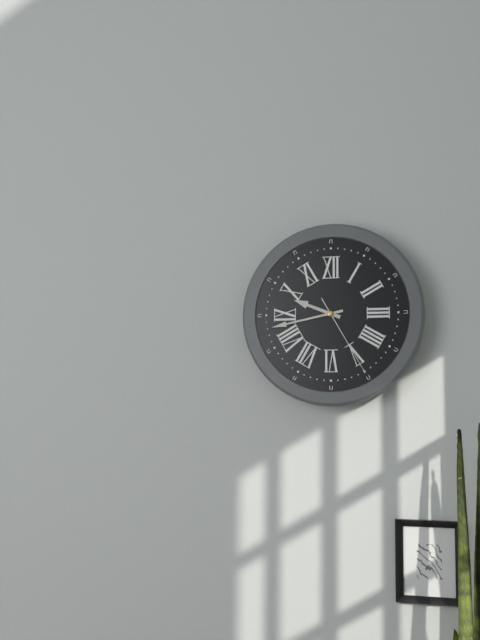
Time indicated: 9:43:25
